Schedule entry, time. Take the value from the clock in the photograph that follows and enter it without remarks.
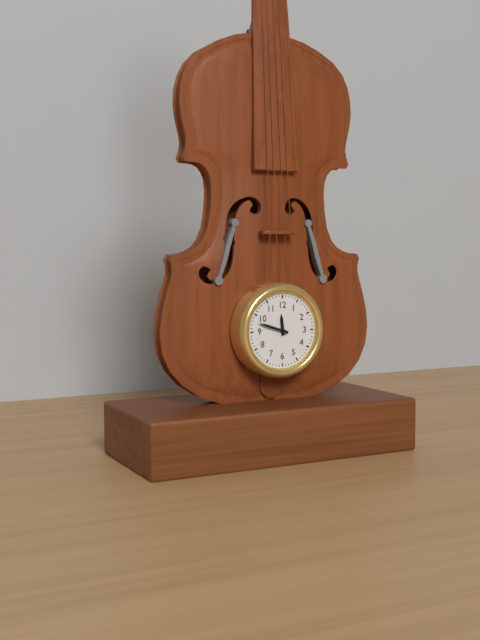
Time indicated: 11:48
